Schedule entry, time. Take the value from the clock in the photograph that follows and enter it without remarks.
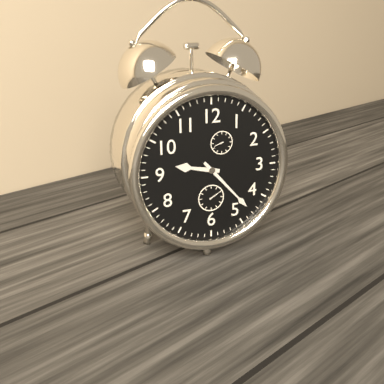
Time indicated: 9:23
